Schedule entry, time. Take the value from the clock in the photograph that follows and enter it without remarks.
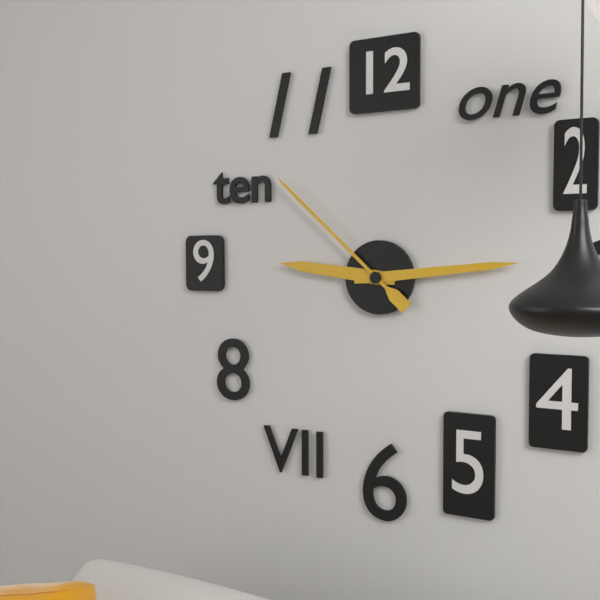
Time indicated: 9:14:52
